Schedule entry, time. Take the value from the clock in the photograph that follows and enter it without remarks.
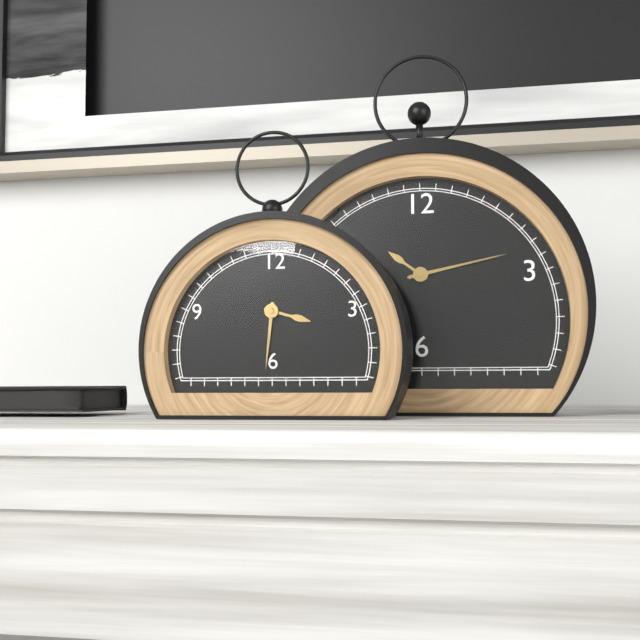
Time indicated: 3:31
